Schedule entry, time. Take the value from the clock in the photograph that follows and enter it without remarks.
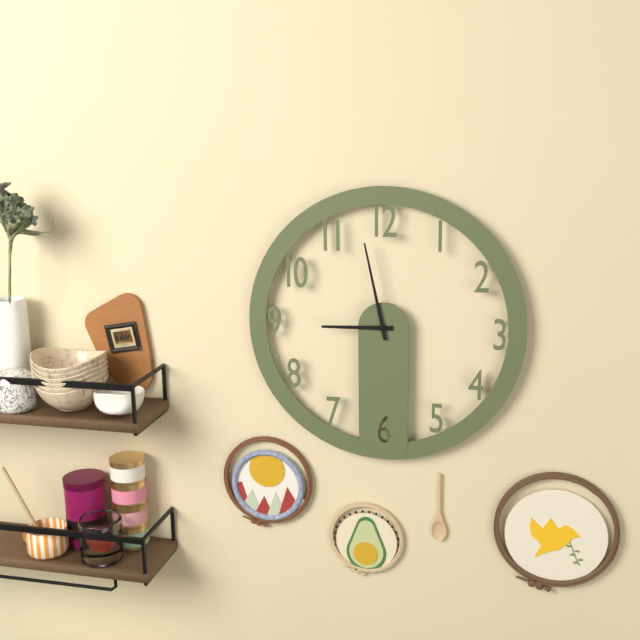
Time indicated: 8:58
